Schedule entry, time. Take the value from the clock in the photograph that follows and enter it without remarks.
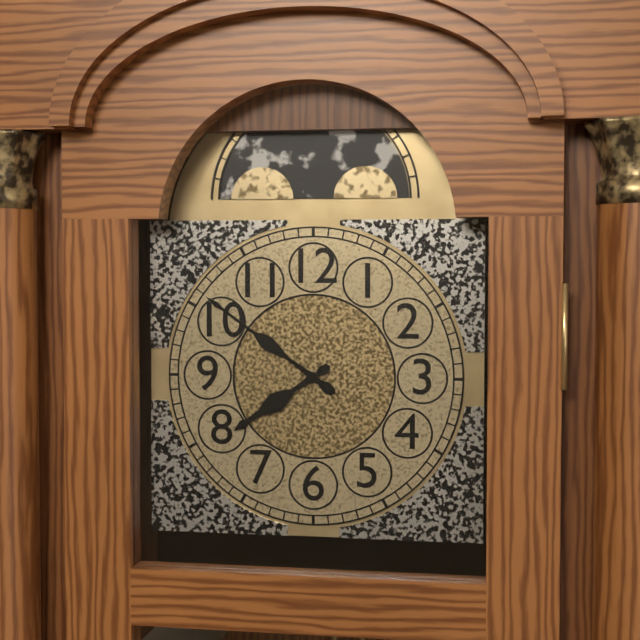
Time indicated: 7:51
